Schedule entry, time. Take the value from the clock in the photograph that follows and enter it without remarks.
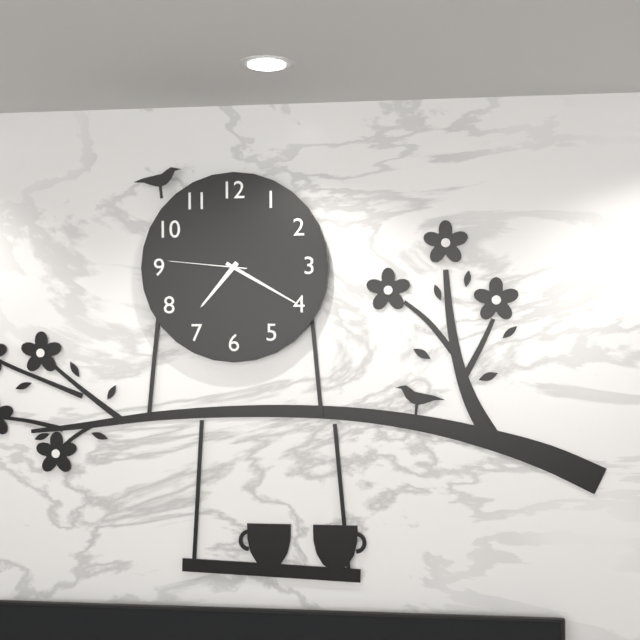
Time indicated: 7:20:46
